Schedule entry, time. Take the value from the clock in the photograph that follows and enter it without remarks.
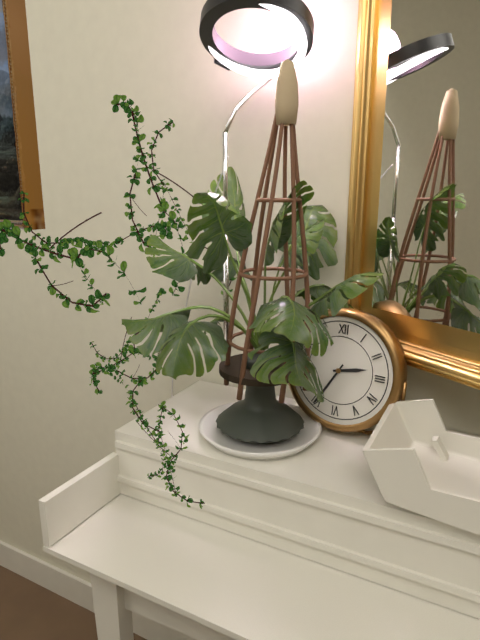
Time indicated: 2:35
